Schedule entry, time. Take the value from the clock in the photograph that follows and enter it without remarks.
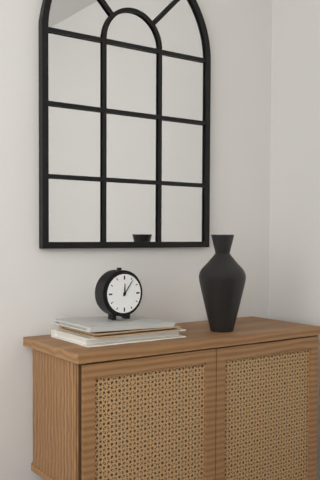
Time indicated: 12:06
